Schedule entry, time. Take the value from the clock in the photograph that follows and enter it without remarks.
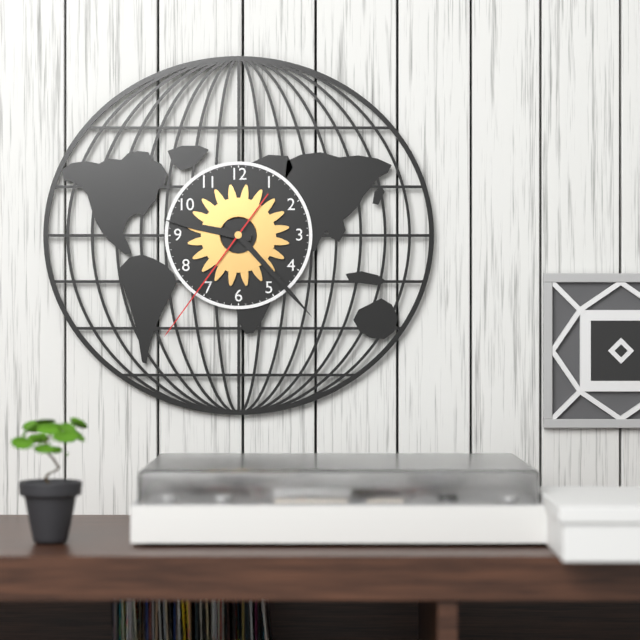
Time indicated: 9:23:36
